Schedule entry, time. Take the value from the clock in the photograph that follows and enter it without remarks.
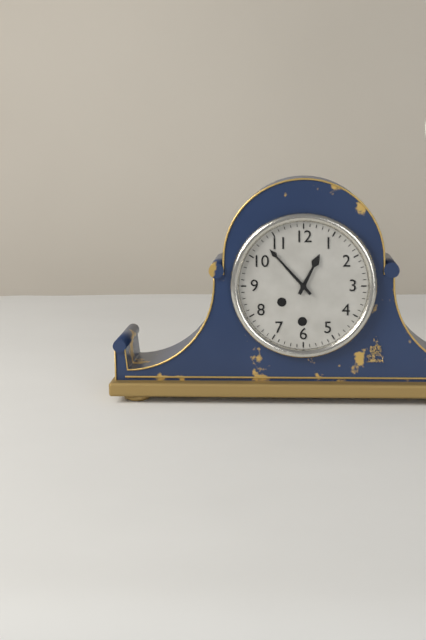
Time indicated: 12:53
